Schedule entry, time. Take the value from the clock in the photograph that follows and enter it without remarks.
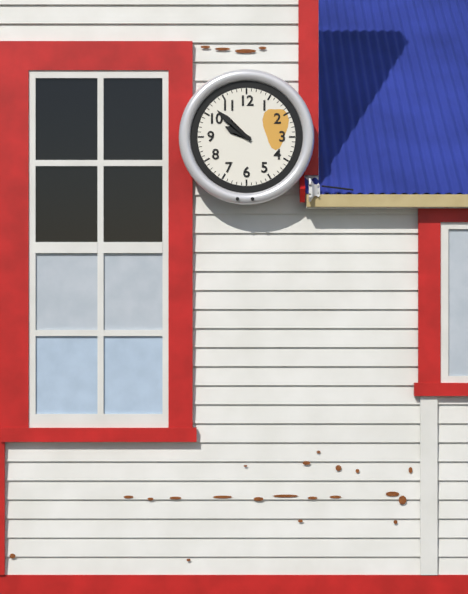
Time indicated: 9:52
